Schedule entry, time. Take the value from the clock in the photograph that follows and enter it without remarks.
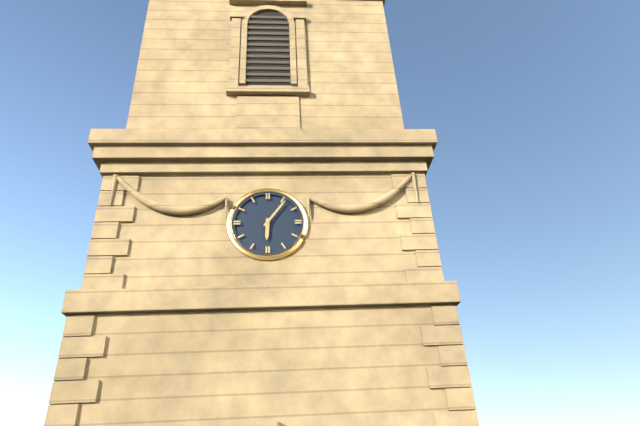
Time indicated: 6:06
